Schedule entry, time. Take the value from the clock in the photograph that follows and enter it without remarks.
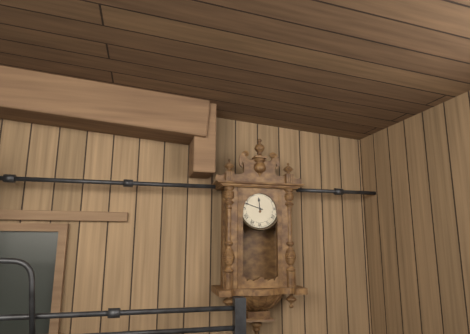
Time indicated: 11:48
